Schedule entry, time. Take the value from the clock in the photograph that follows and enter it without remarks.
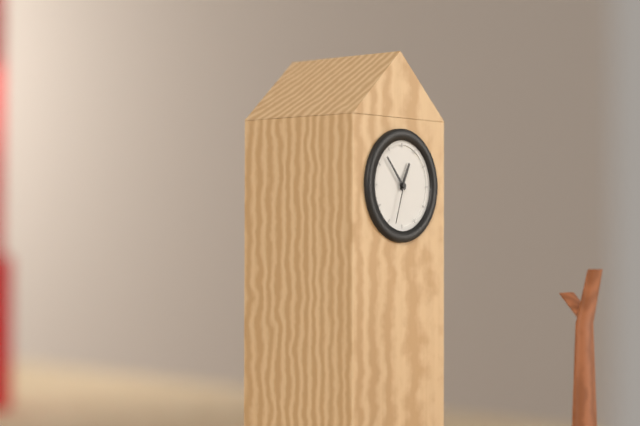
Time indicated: 12:53
